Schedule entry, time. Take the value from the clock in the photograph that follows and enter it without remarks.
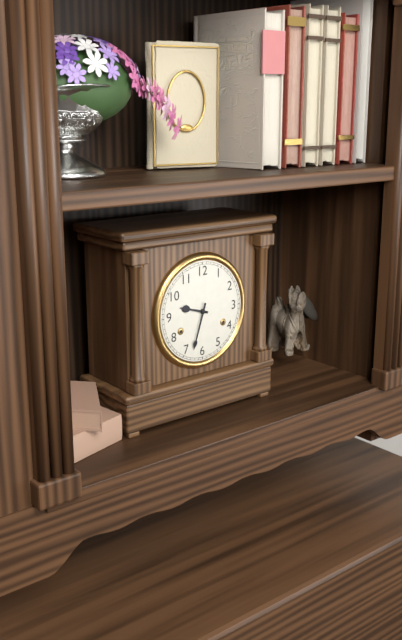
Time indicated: 9:33
